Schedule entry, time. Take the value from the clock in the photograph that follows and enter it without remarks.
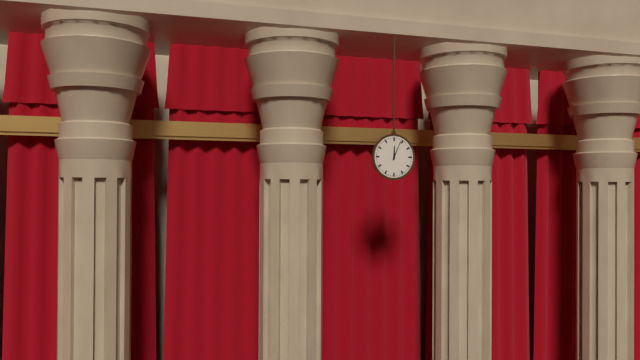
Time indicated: 12:04
